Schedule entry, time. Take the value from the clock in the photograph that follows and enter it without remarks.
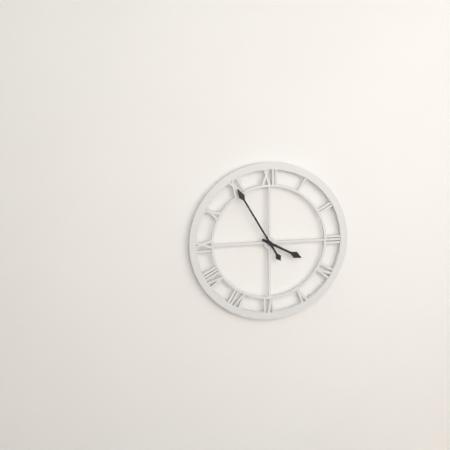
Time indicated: 3:55
